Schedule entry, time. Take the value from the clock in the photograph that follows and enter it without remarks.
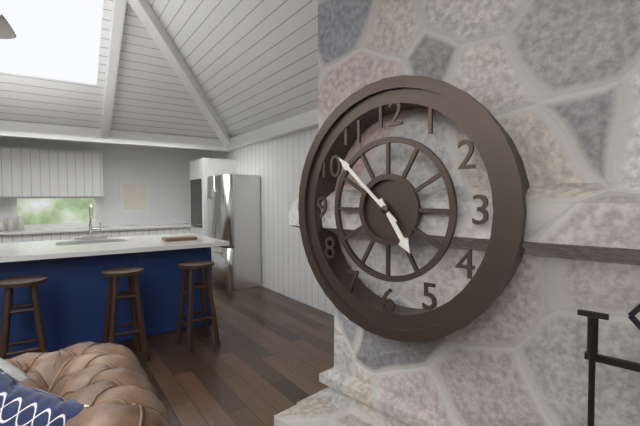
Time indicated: 4:52
